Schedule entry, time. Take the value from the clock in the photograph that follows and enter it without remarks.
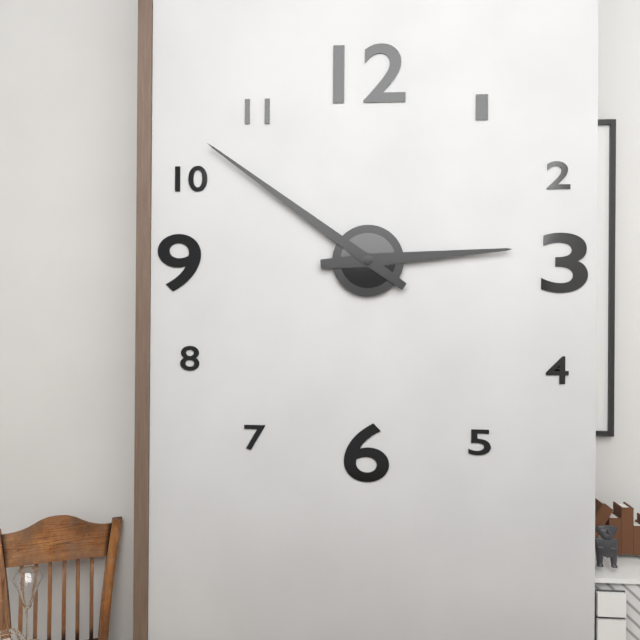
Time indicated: 2:51
